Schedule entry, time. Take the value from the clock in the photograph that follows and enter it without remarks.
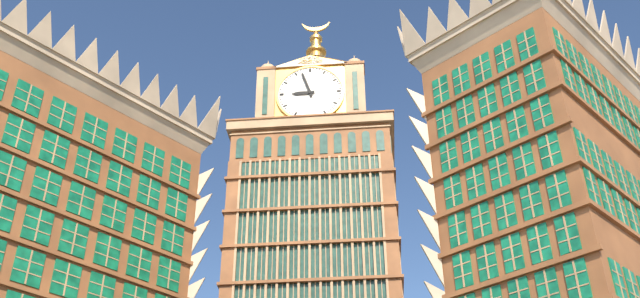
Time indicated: 8:57
